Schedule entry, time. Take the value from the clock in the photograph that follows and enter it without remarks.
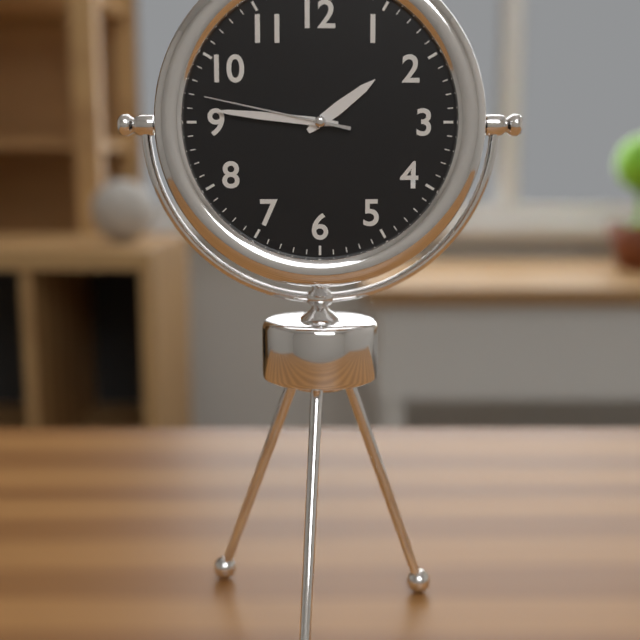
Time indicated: 1:46:47
